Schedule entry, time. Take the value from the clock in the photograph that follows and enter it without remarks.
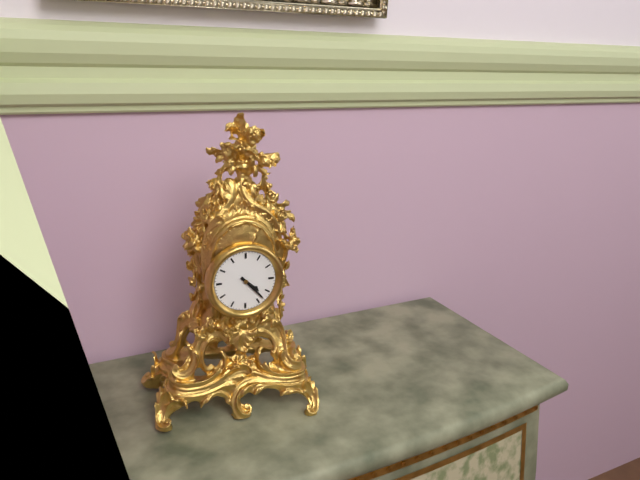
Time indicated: 4:23
